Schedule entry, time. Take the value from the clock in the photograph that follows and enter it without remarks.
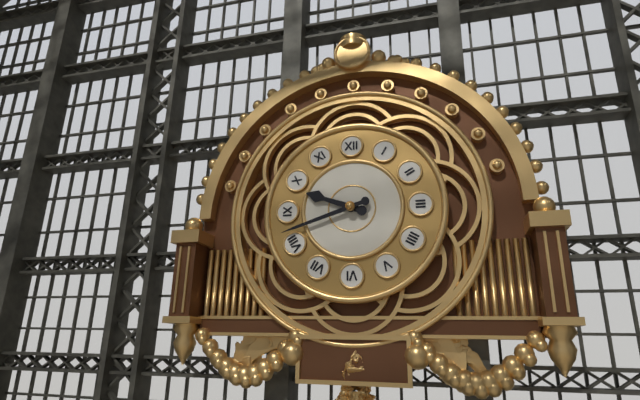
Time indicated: 9:42
